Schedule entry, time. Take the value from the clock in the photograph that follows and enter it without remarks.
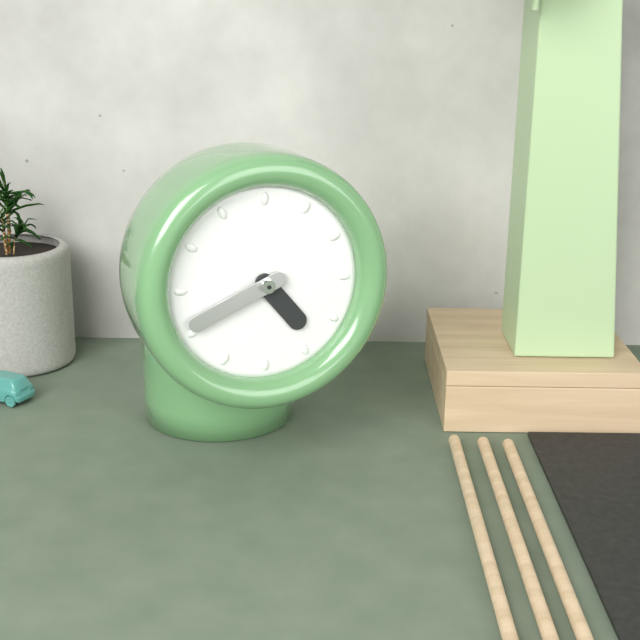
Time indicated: 4:41
